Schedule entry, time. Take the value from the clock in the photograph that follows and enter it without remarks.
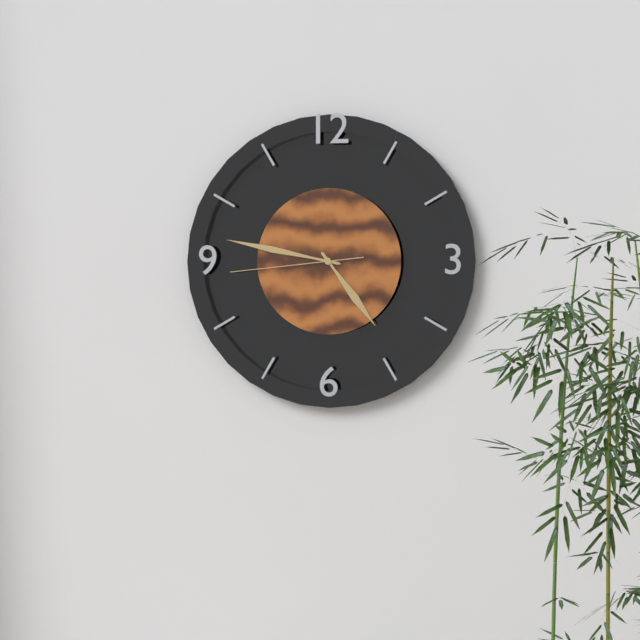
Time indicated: 4:47:44
